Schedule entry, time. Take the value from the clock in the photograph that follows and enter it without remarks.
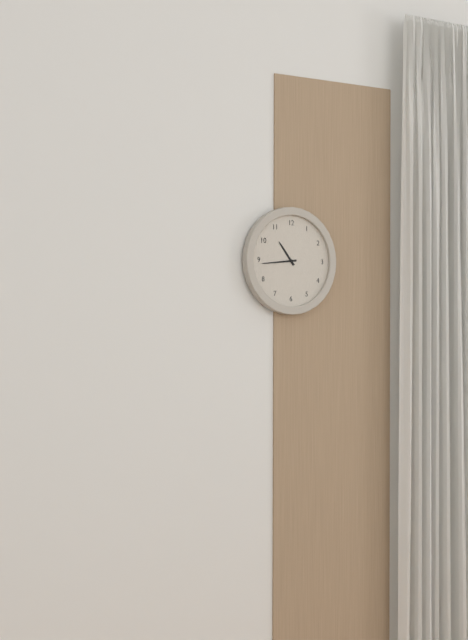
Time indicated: 10:44
